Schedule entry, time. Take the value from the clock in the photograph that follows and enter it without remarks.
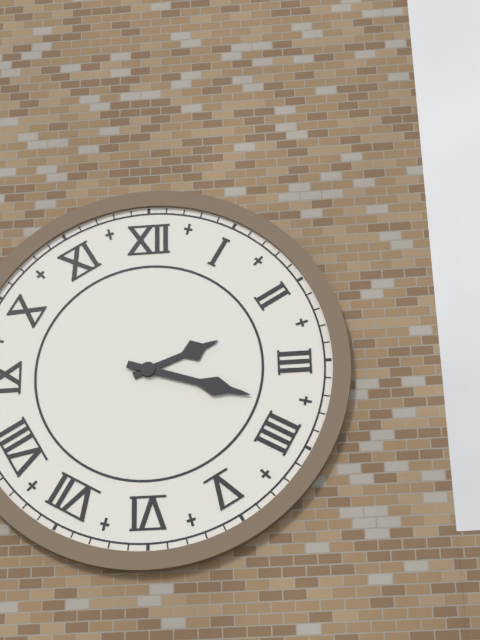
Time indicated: 2:18
